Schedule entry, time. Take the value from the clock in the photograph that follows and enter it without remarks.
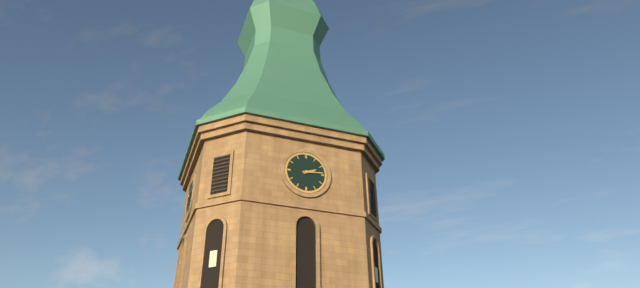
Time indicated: 2:14
